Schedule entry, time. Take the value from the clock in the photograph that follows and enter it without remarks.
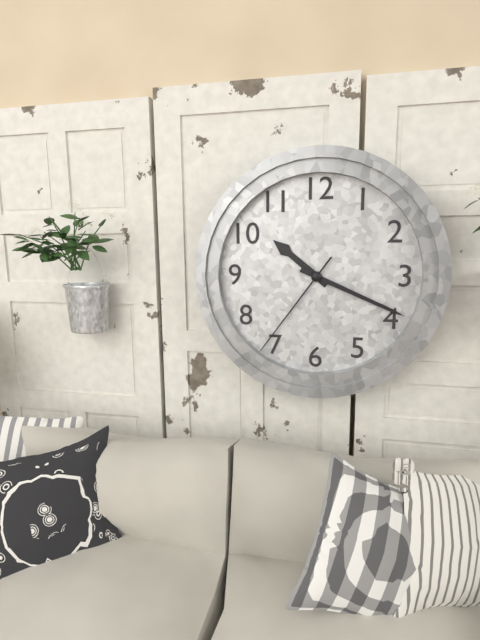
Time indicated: 10:19:36
